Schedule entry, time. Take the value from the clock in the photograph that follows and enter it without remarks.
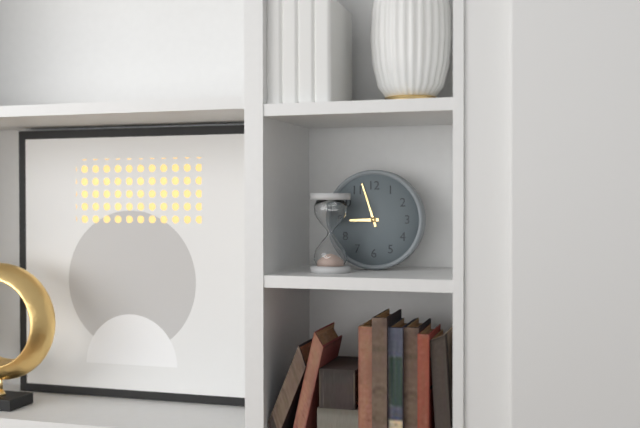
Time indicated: 8:57
